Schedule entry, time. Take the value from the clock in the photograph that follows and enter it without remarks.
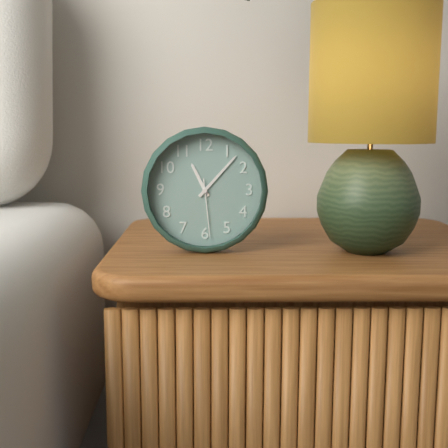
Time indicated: 11:07:29
